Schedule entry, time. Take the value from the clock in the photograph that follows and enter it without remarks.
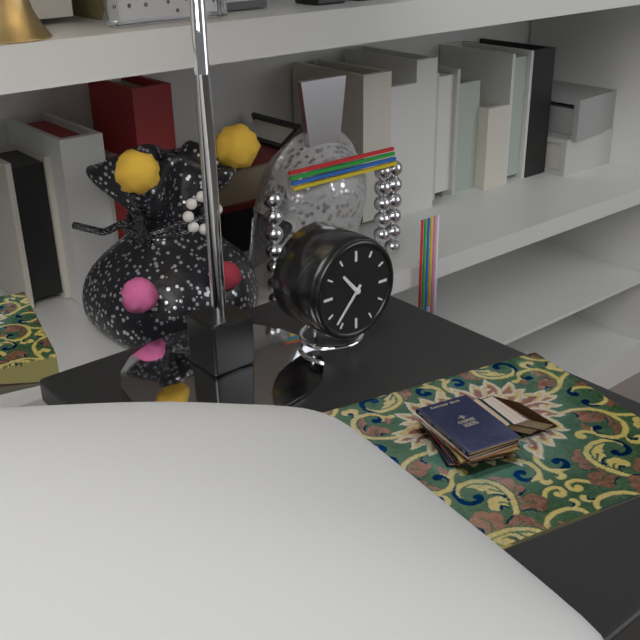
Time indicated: 10:37
